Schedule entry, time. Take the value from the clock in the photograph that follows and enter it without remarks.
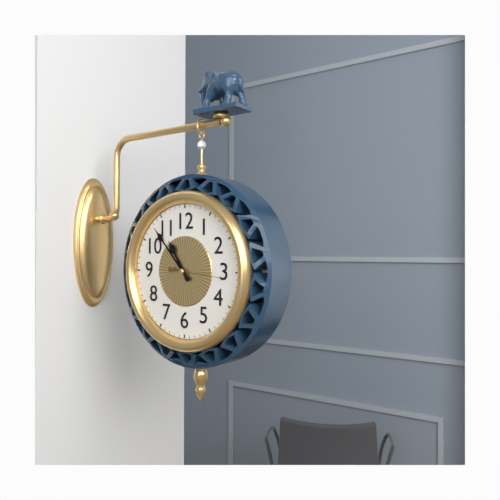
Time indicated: 10:53
